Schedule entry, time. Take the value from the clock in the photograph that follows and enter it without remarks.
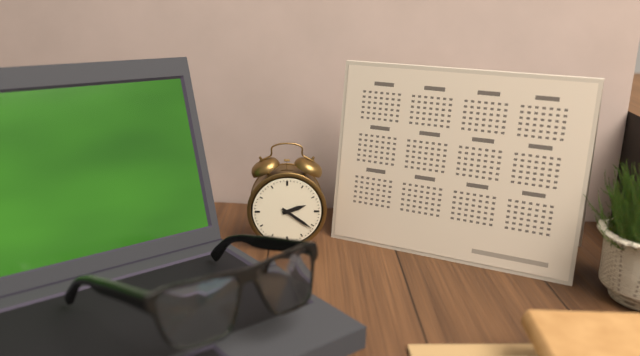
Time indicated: 2:21
